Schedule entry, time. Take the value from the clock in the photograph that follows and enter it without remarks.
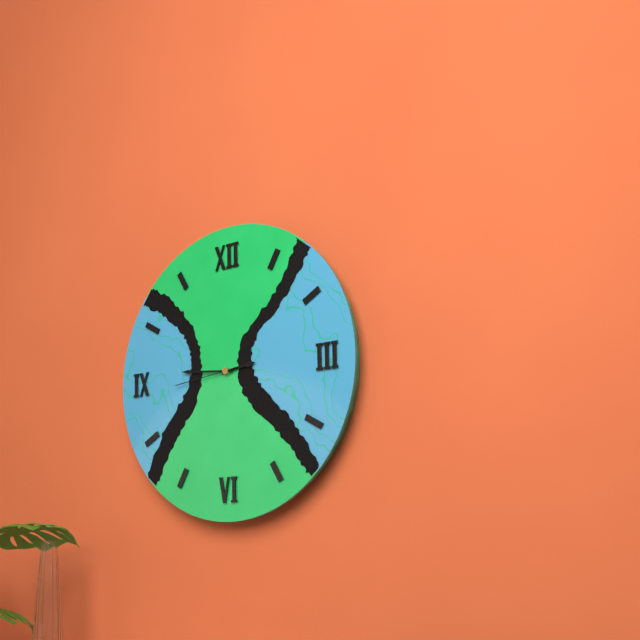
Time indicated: 2:46:44
